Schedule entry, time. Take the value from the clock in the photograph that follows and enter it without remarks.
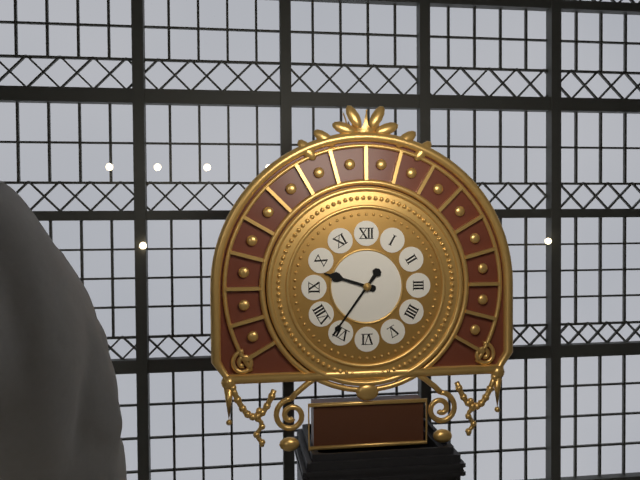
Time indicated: 9:36
